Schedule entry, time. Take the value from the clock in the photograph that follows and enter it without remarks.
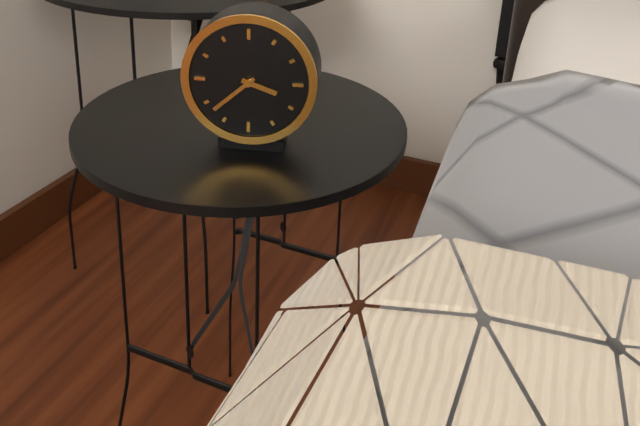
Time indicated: 3:38
